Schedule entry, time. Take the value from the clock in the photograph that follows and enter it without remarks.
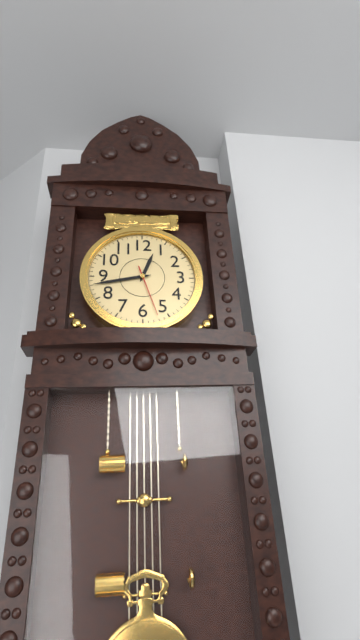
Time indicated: 12:43:27
